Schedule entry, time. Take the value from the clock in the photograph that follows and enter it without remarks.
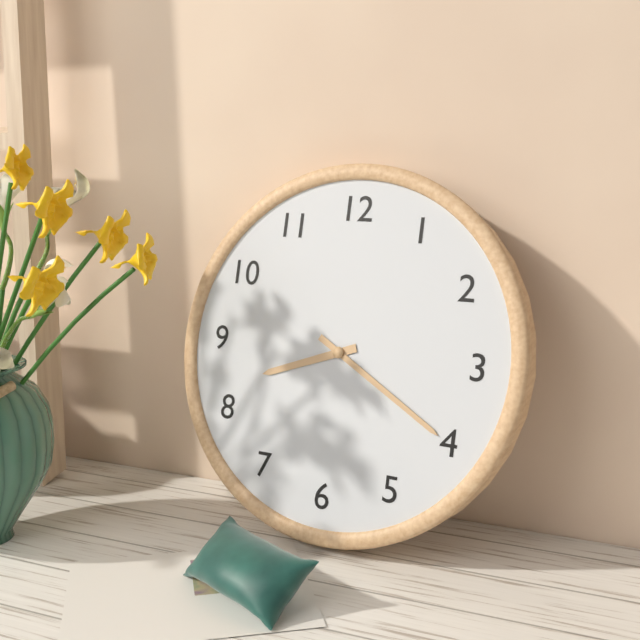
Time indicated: 8:20
